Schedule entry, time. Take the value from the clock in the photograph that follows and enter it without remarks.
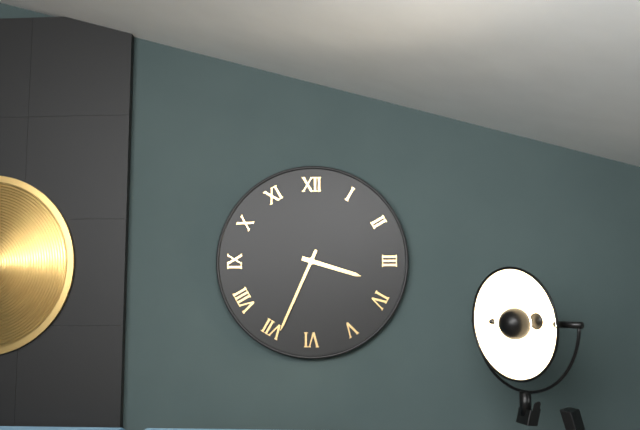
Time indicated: 3:34
